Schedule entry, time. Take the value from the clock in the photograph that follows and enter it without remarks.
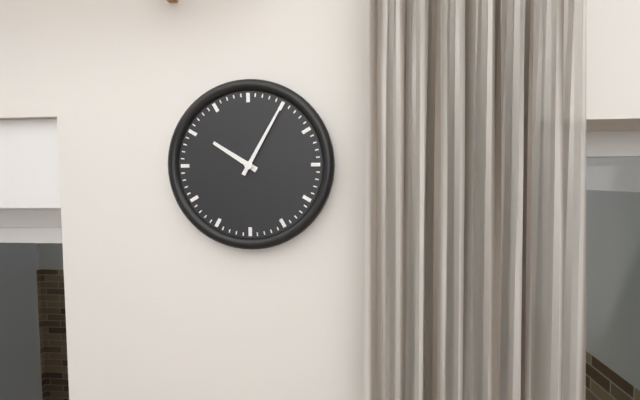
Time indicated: 10:05
